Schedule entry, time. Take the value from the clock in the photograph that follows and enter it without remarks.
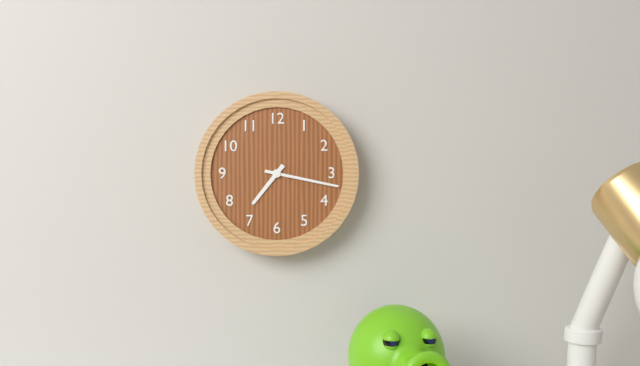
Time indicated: 7:17
